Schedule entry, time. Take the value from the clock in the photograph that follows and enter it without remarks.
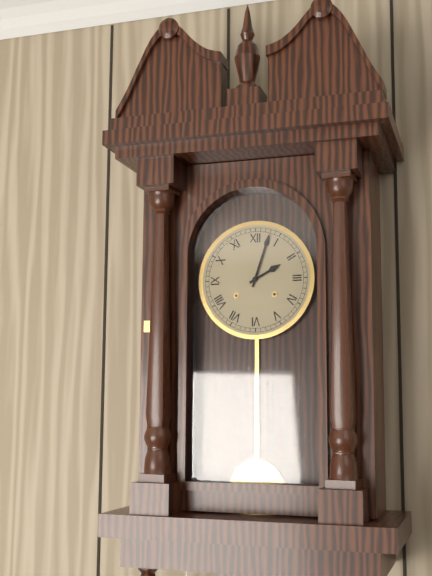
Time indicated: 2:03
